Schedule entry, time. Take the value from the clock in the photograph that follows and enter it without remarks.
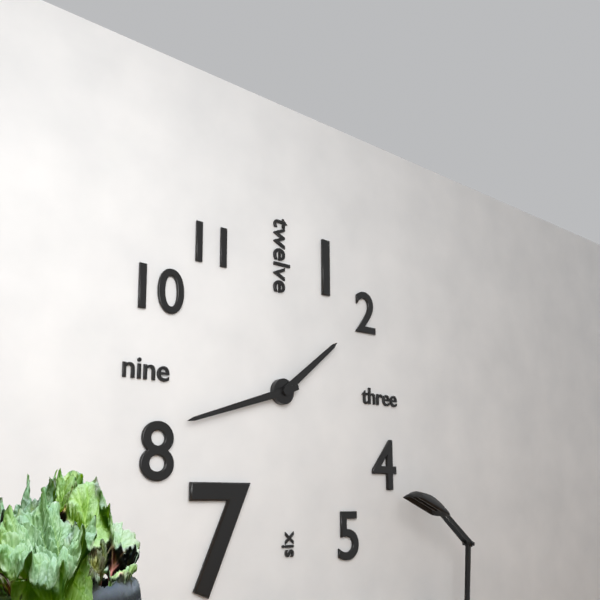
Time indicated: 1:42
